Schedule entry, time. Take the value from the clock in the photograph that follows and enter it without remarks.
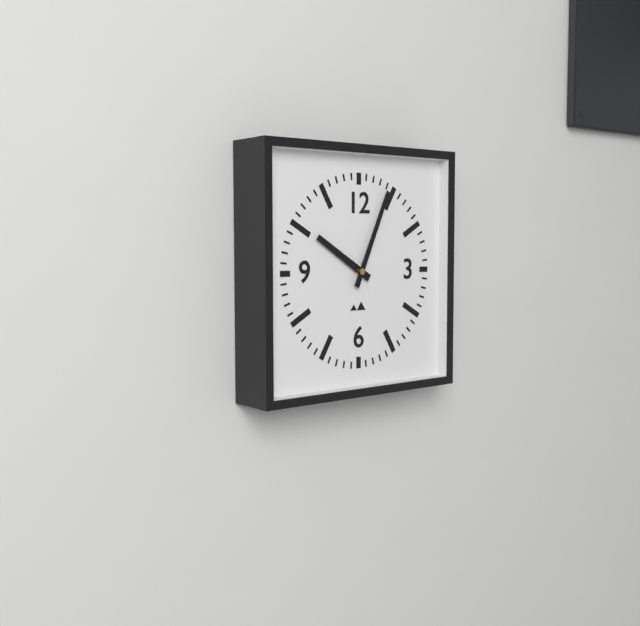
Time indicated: 10:04
